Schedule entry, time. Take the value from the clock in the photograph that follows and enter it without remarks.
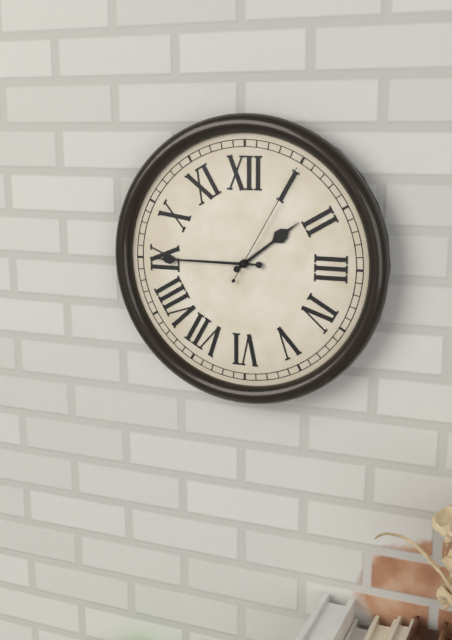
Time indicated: 1:45:05
